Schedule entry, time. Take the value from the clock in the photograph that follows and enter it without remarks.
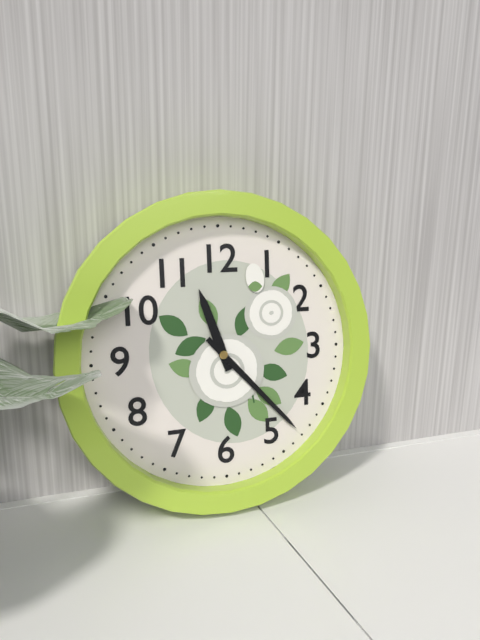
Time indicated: 11:23
